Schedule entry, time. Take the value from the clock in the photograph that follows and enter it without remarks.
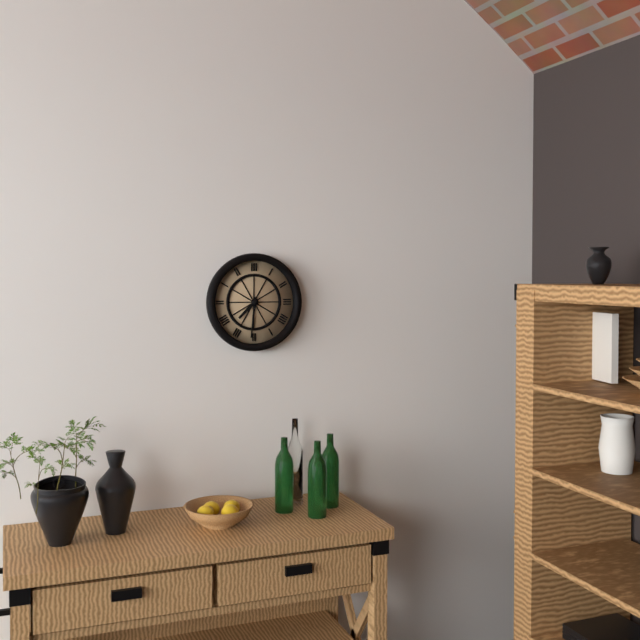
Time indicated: 7:31
